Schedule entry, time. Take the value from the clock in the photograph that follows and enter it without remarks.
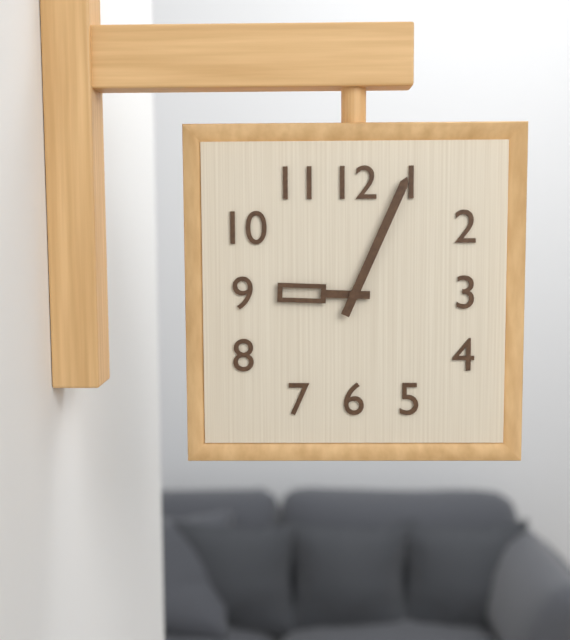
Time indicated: 9:04
